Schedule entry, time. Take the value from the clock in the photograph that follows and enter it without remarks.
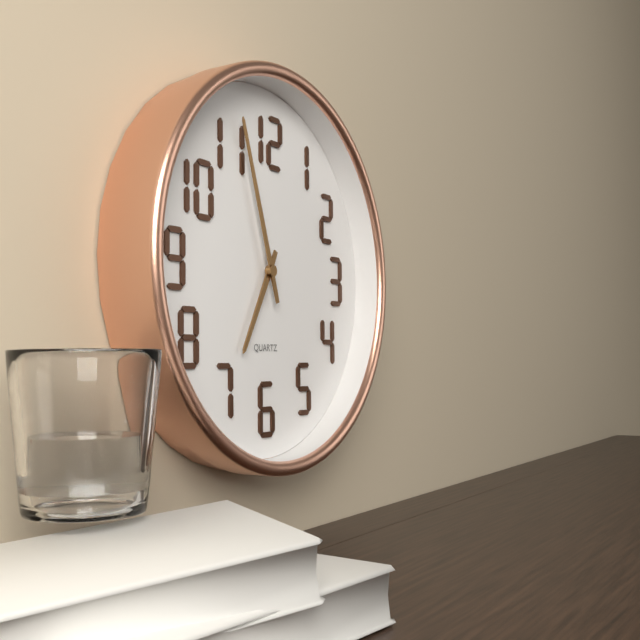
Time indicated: 6:57
